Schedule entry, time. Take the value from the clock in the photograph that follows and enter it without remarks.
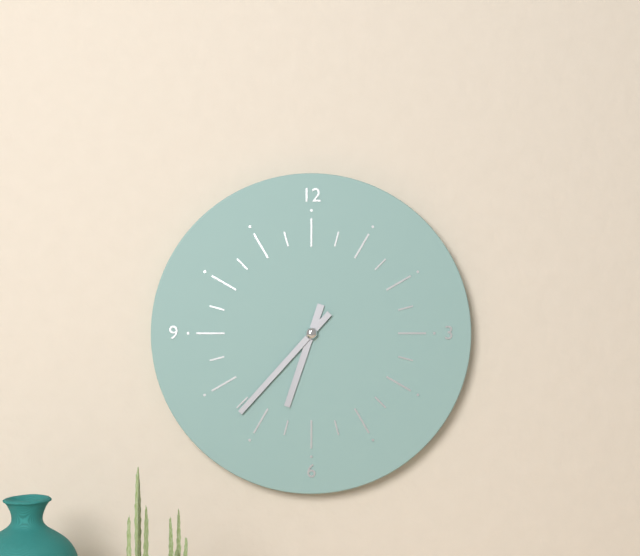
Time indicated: 6:37
